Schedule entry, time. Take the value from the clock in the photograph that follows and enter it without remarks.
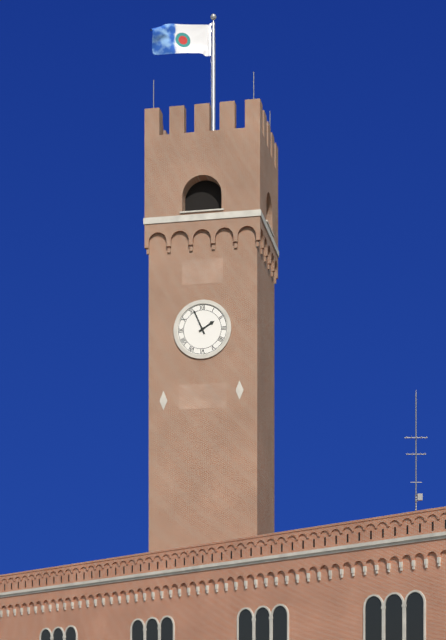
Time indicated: 1:56
